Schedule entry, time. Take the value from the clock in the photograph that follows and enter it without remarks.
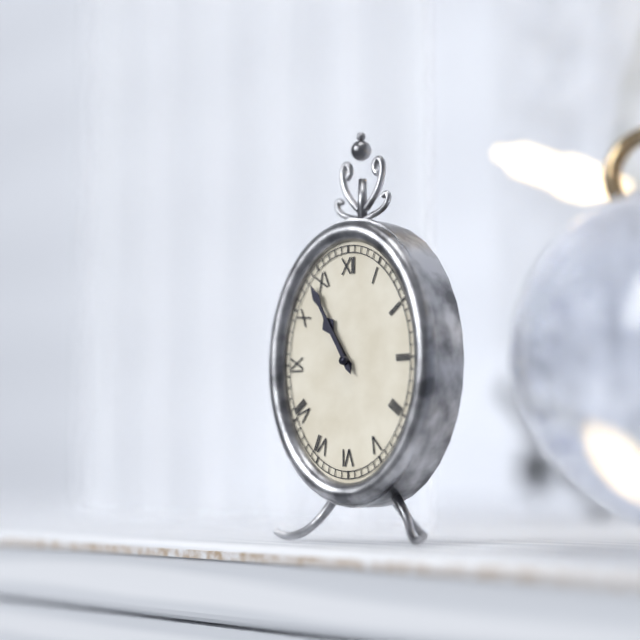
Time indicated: 10:55
